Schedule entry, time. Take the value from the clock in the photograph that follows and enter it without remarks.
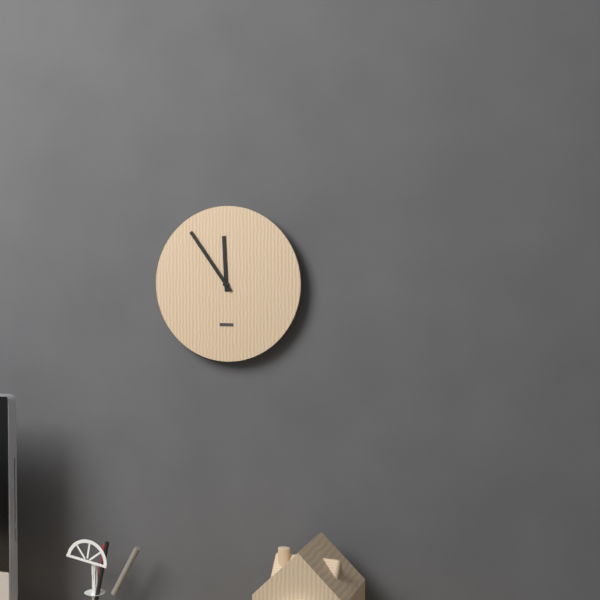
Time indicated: 11:54
